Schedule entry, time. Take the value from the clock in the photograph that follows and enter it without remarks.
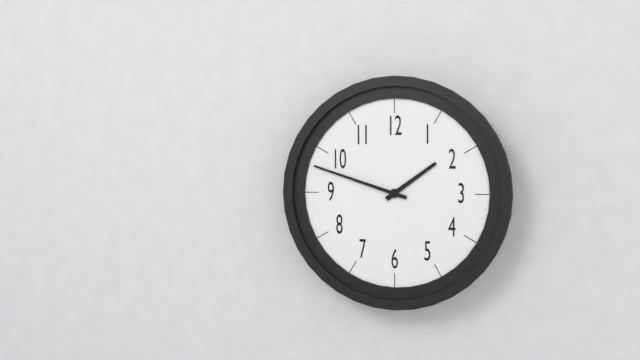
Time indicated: 1:48
